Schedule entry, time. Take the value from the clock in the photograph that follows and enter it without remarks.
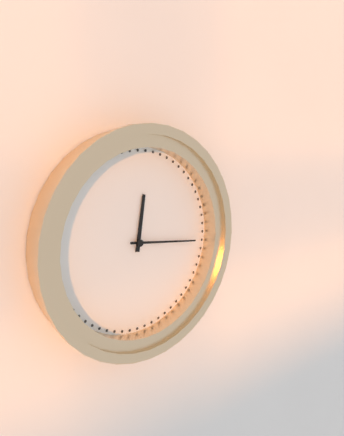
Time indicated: 12:16
